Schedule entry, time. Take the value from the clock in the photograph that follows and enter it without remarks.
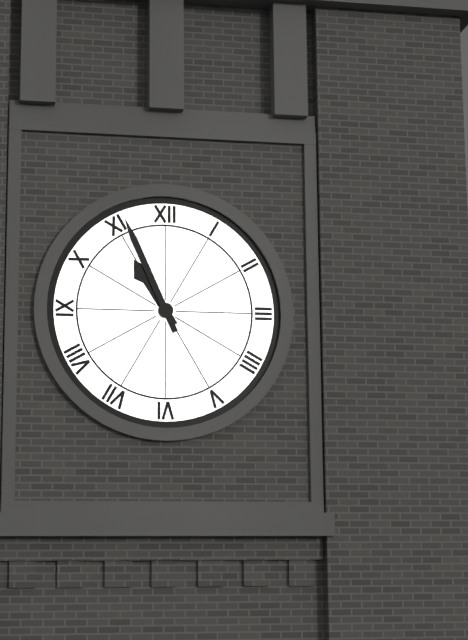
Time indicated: 10:56
